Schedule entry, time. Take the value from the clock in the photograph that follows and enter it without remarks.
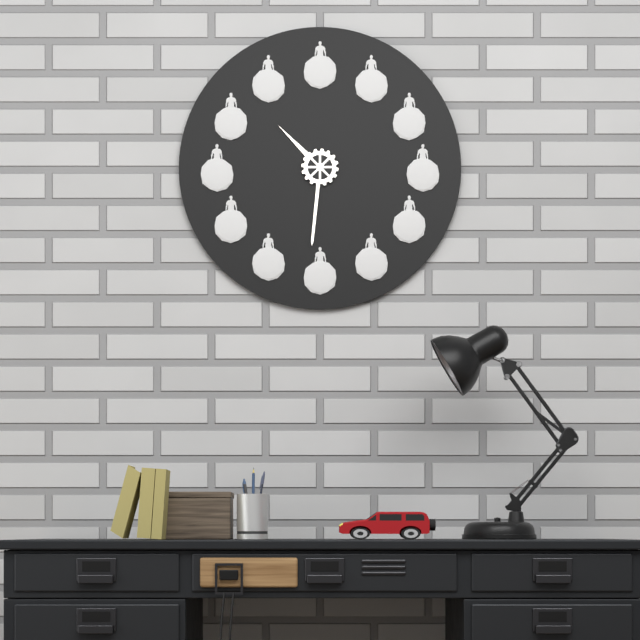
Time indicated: 10:31
